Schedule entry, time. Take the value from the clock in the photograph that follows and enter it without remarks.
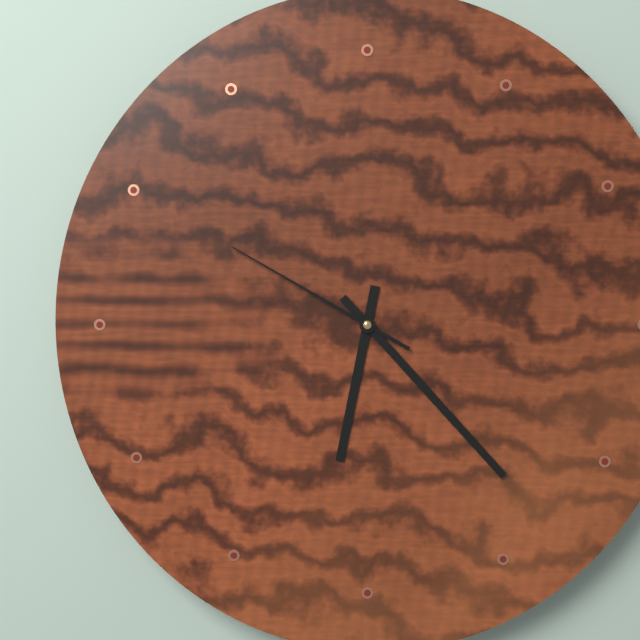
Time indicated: 6:23:50
